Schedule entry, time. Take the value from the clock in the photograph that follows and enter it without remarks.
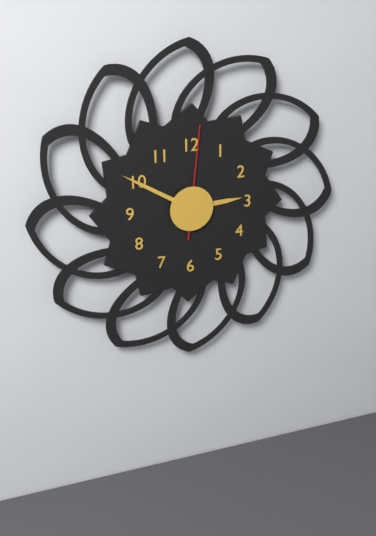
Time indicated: 2:50:01
